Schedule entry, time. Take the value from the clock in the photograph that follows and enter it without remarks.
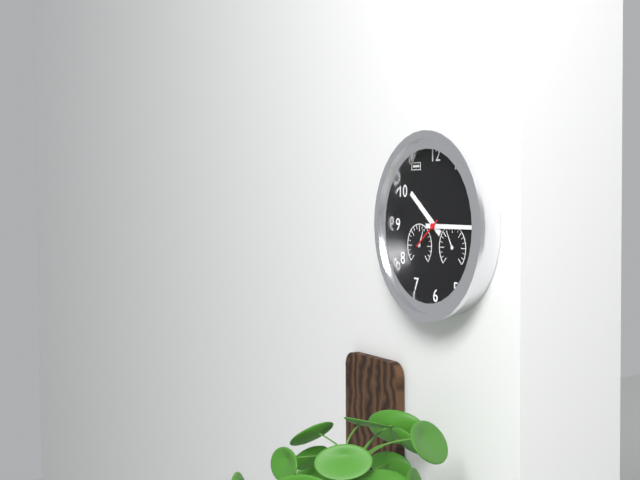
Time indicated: 10:15
